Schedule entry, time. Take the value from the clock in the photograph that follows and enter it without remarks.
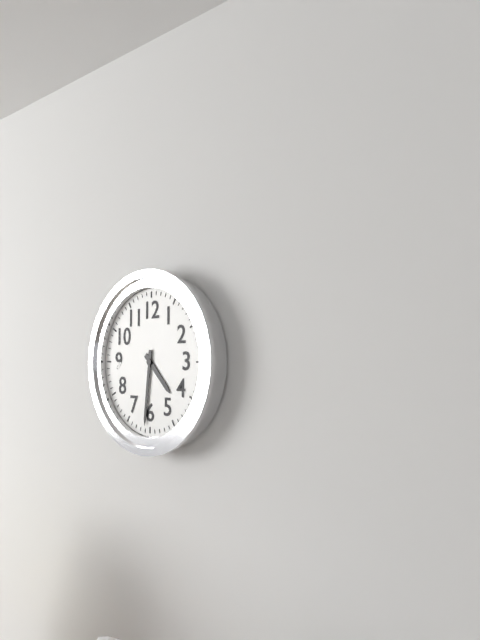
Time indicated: 4:31
